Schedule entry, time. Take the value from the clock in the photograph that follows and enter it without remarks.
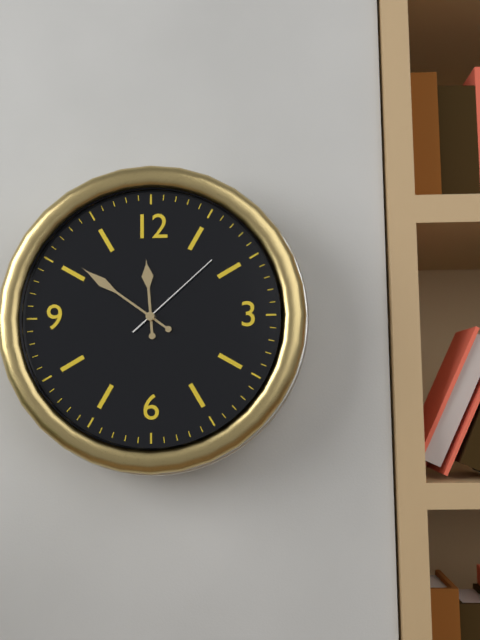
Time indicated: 11:51:08
